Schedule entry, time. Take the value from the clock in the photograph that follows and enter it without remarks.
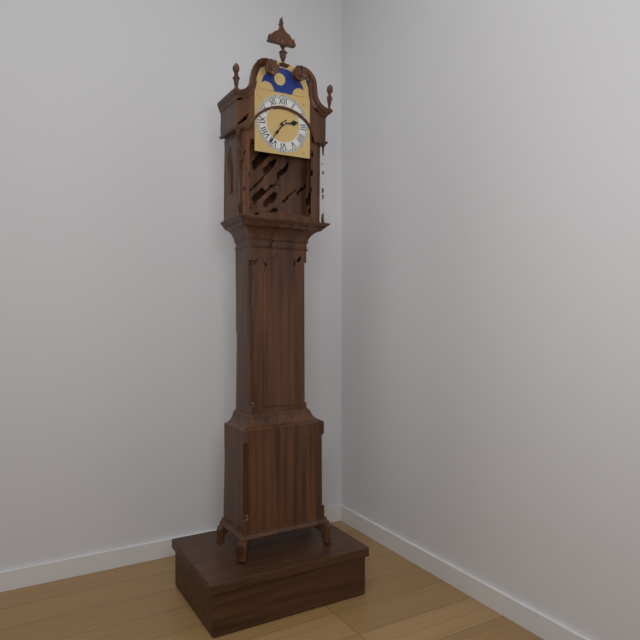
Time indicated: 2:36
